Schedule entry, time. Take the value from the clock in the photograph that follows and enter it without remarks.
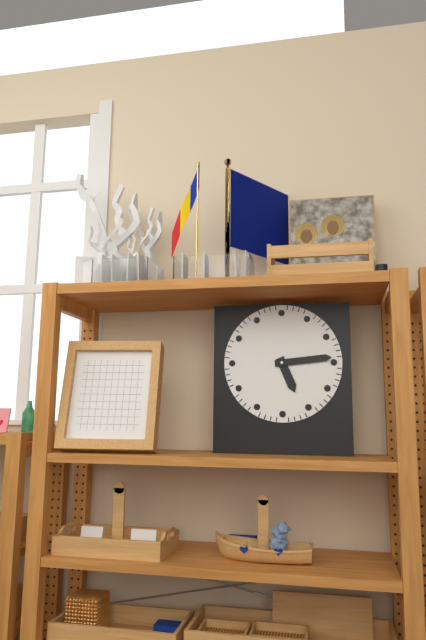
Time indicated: 5:14
